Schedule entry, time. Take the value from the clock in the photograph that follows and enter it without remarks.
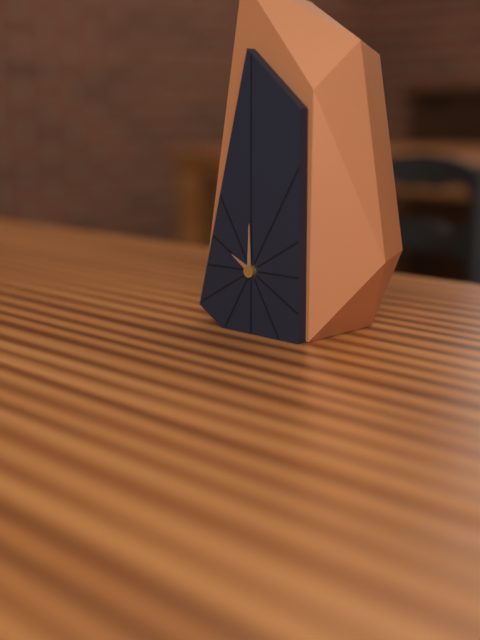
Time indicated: 10:00
